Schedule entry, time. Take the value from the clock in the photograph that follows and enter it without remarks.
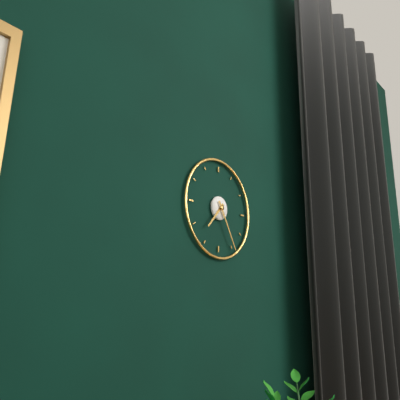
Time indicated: 7:25
